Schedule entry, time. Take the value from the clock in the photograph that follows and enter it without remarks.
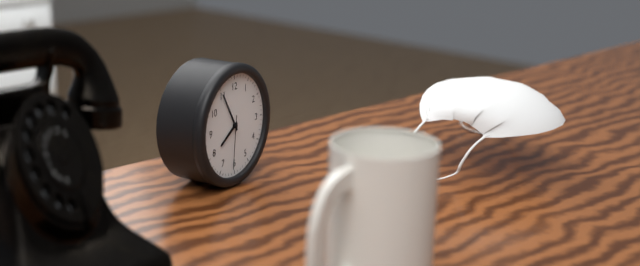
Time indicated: 7:55:31
